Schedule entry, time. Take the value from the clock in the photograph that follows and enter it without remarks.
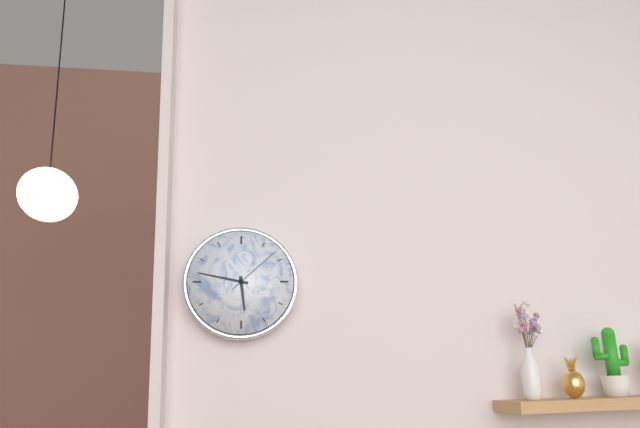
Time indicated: 5:47:08
